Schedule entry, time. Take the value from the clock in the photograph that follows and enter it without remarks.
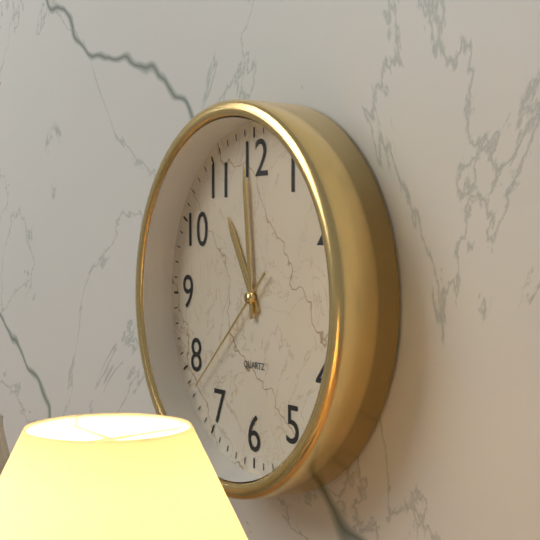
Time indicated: 10:59:38
